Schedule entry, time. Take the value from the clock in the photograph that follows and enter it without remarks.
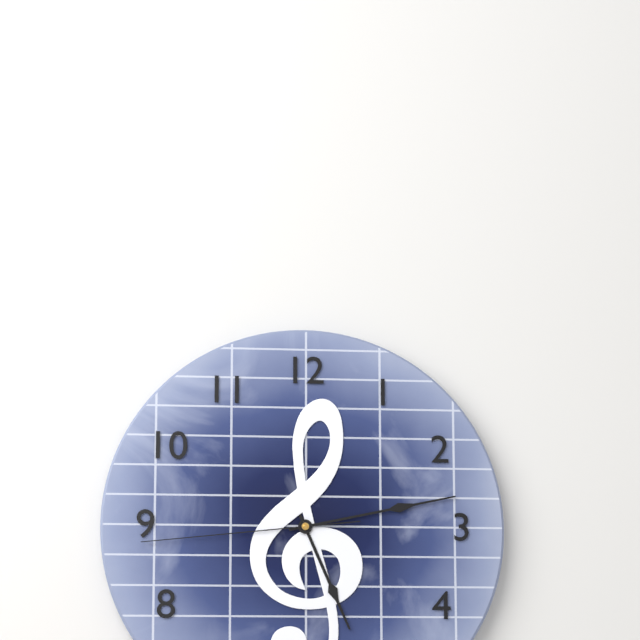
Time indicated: 5:13:44
